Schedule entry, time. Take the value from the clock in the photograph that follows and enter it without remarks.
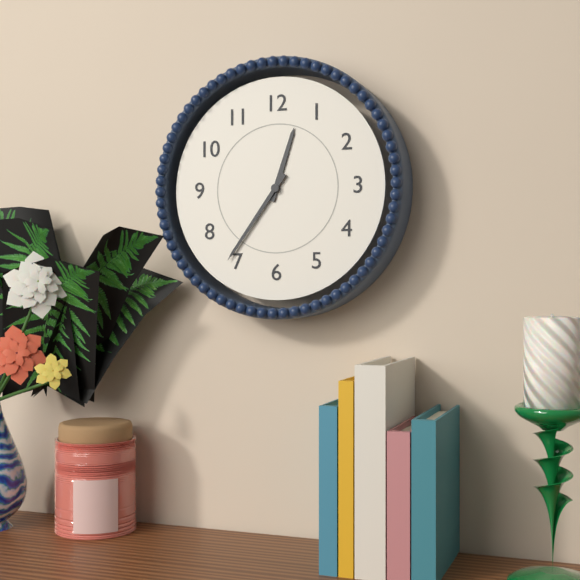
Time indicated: 12:36
